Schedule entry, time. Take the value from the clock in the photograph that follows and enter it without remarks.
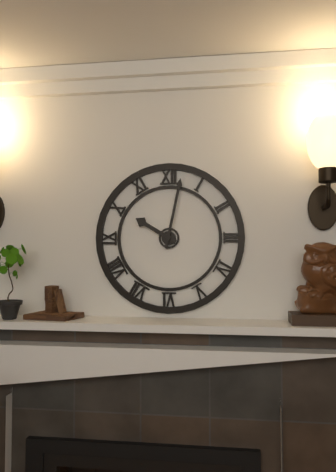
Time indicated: 10:02
